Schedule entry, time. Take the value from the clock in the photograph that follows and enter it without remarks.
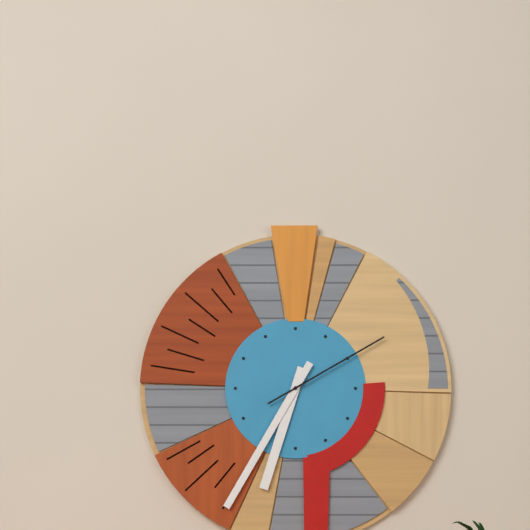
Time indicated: 6:35:10
